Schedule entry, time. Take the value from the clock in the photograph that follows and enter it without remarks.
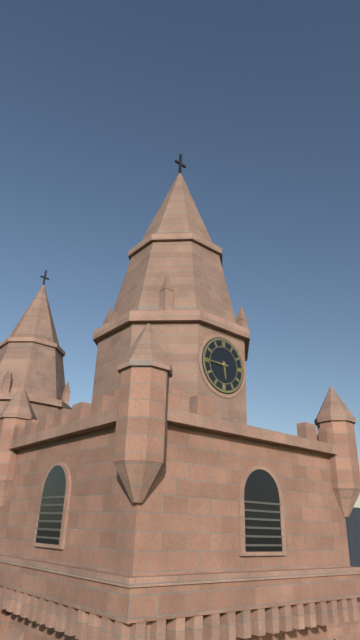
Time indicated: 5:45
